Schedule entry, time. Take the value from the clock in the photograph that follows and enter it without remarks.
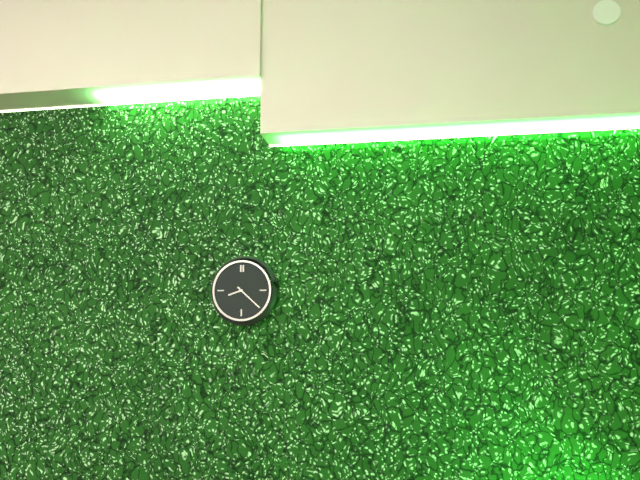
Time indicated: 8:22
